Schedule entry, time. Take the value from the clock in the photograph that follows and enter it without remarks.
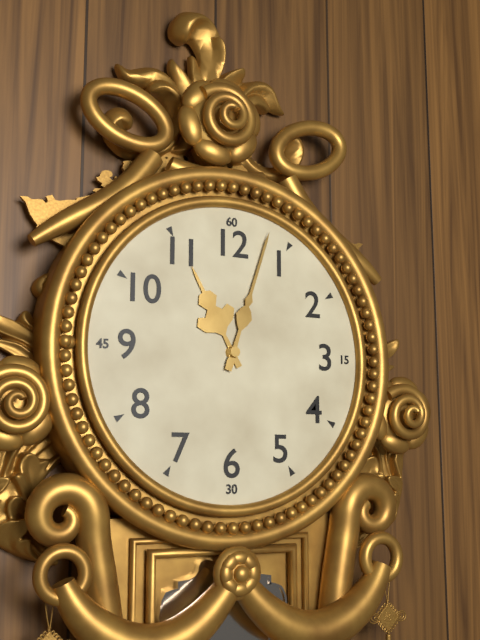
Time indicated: 11:03
